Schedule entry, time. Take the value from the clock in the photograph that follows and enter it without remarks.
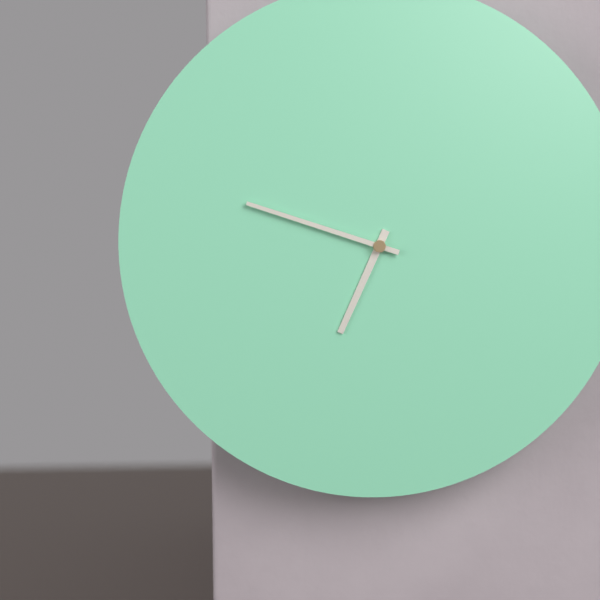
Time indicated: 6:48
